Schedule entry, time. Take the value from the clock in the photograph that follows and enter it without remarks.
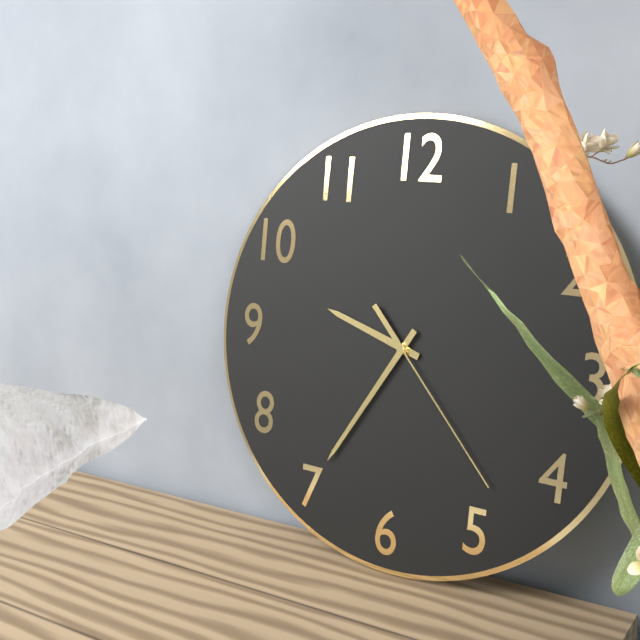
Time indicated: 9:35:23
